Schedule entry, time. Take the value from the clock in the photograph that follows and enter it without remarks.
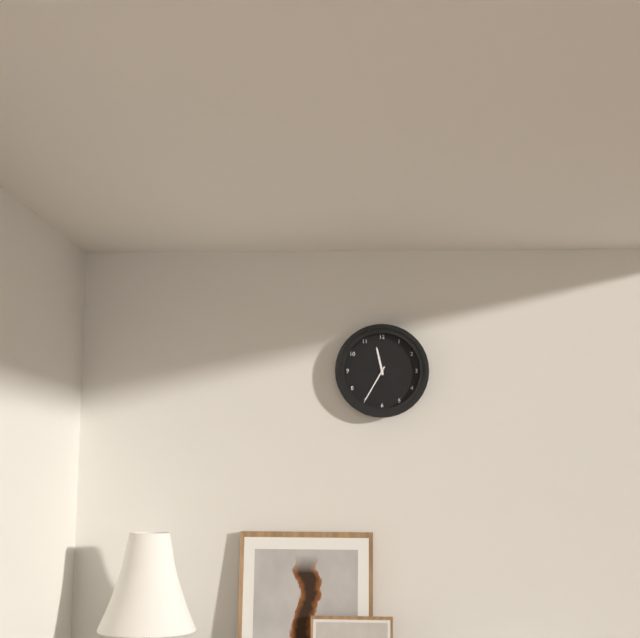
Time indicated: 11:35
